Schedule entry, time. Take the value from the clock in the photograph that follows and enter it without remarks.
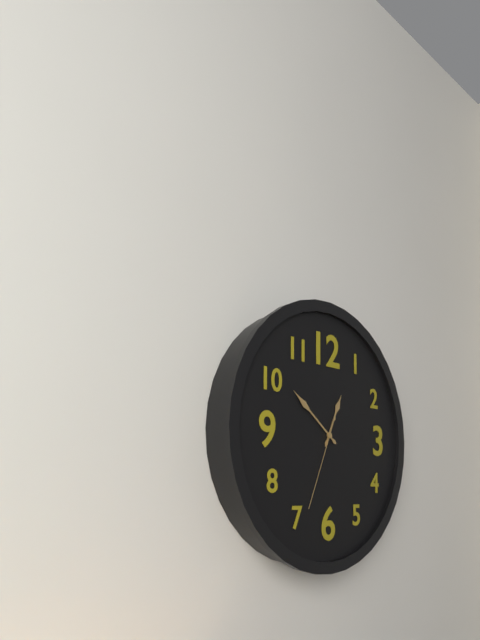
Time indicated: 12:51:34
